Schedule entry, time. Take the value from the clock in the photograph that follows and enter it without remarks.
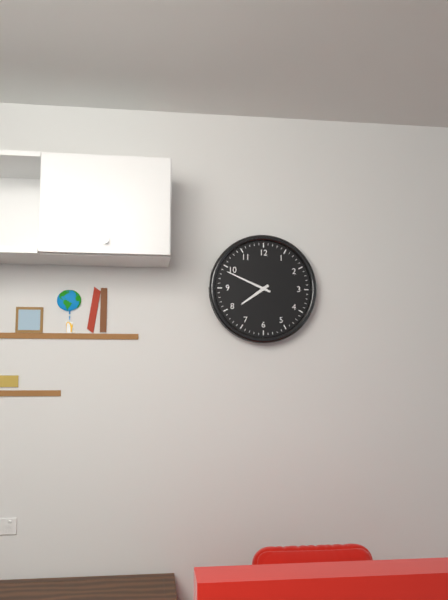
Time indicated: 7:49
